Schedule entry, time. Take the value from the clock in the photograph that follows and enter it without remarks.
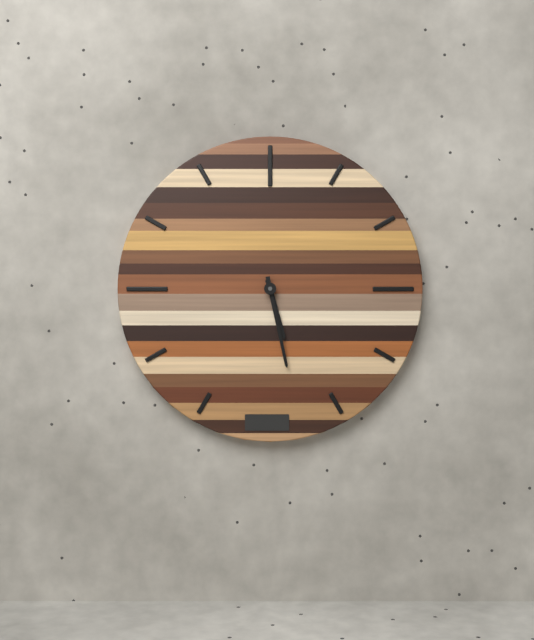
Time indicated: 5:28
